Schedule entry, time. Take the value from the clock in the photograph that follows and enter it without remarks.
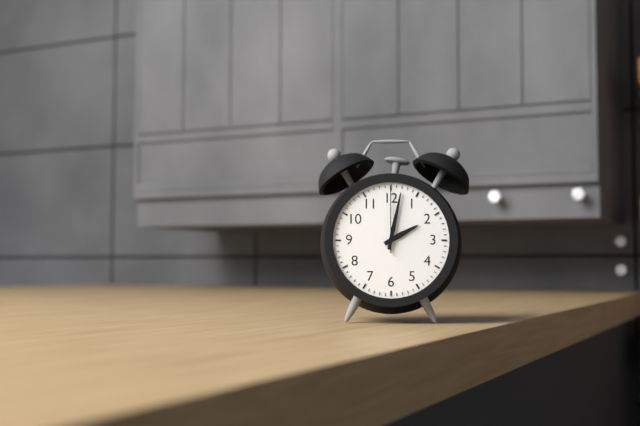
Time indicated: 2:02:00
